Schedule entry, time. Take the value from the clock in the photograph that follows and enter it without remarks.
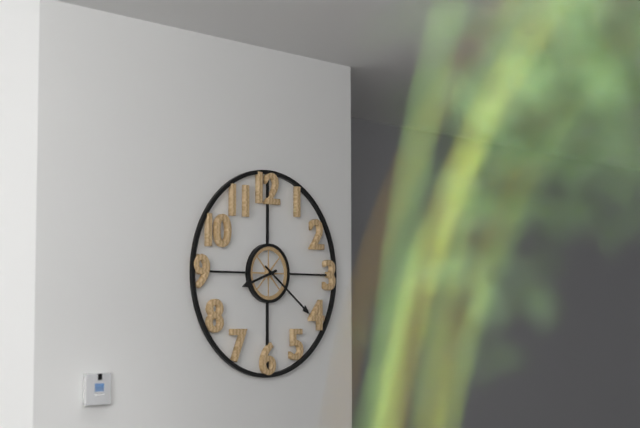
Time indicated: 8:21
